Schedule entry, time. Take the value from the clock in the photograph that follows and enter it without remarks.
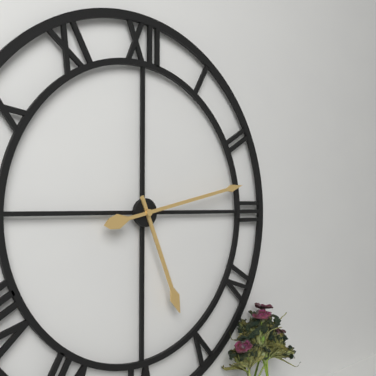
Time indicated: 5:13
